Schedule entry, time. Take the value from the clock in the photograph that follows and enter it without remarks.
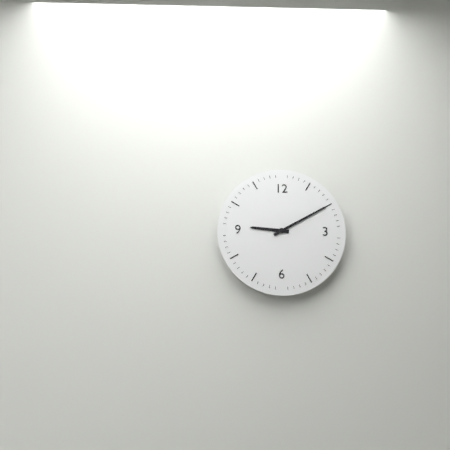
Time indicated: 9:10
